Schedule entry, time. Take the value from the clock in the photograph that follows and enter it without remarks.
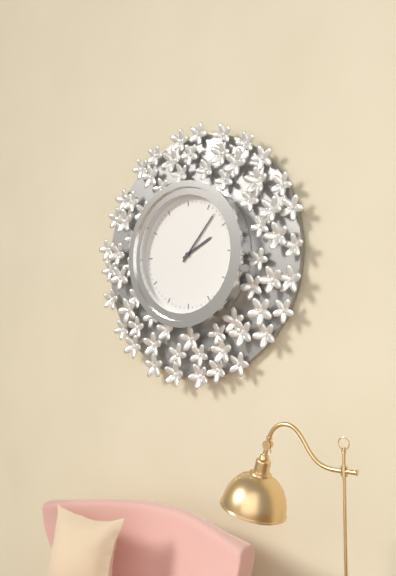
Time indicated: 2:07
